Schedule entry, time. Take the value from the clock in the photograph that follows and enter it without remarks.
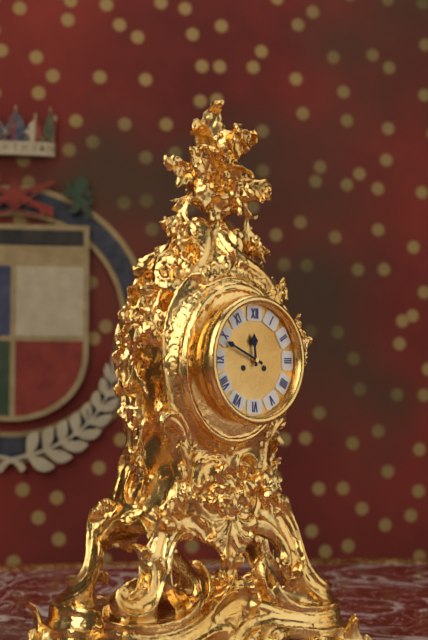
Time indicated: 11:49
